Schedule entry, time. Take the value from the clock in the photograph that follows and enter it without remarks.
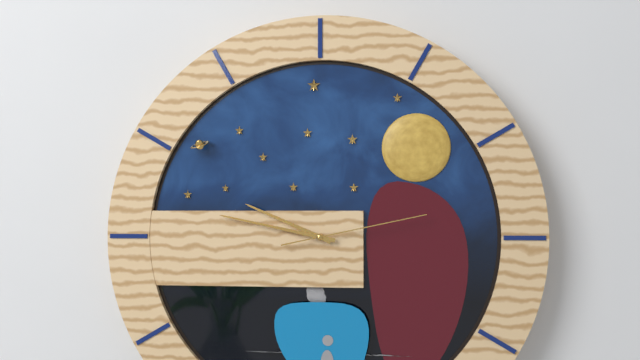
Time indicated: 9:47:13
